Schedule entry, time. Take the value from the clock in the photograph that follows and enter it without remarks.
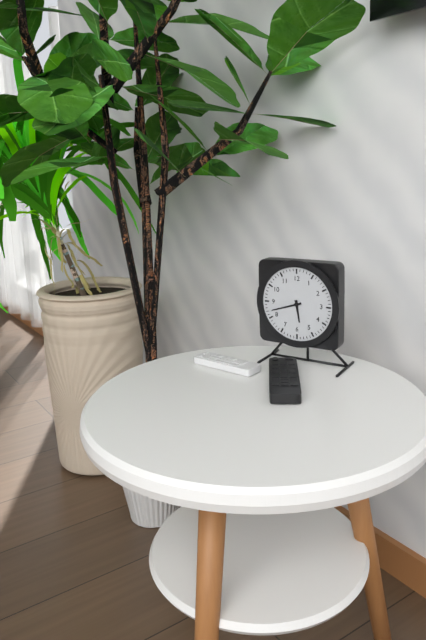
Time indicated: 5:42
